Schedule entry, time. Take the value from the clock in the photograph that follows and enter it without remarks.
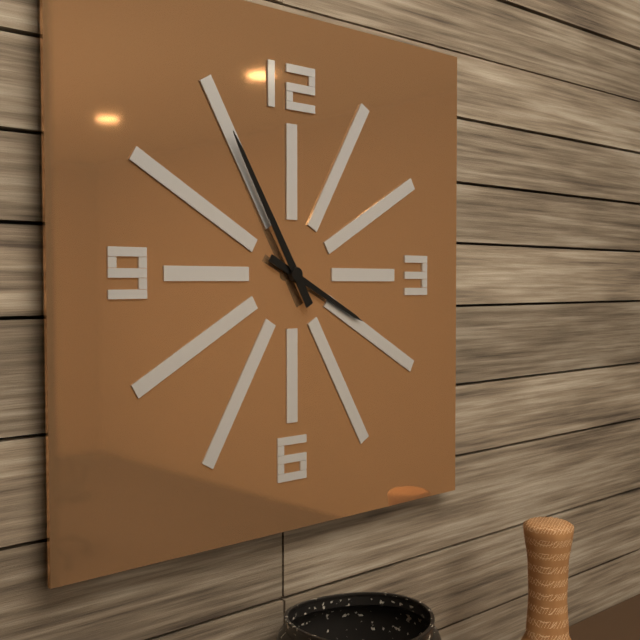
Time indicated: 3:55
